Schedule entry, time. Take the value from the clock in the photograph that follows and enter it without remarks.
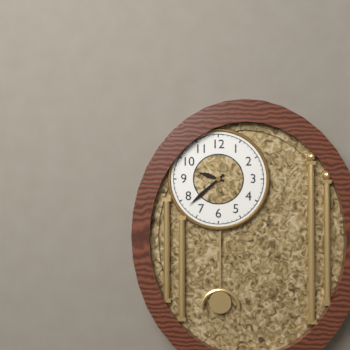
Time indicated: 9:38
